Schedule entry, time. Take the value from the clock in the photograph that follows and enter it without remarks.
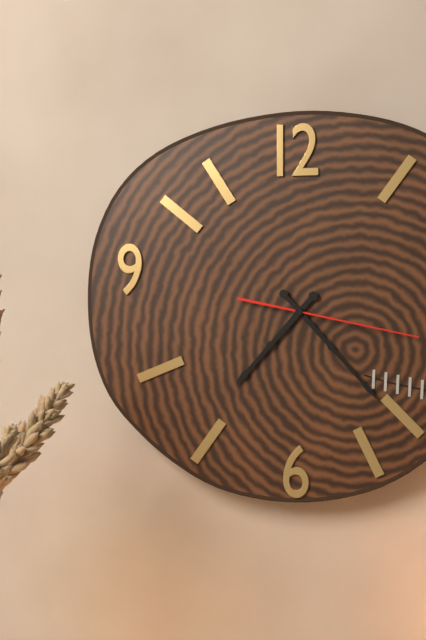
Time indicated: 7:23:17
